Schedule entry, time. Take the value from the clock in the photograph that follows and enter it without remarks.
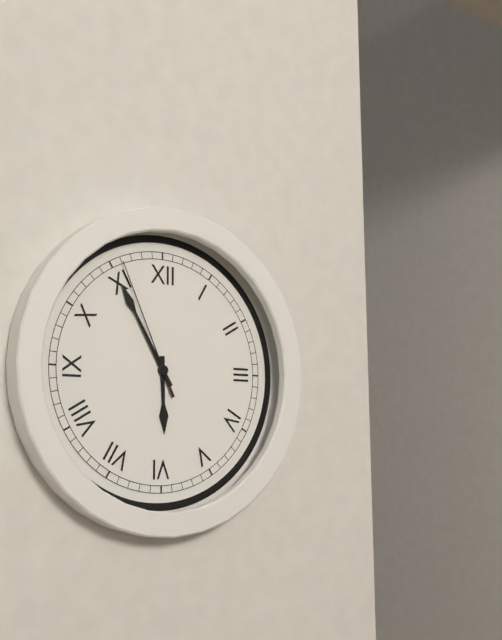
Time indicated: 5:55:56
